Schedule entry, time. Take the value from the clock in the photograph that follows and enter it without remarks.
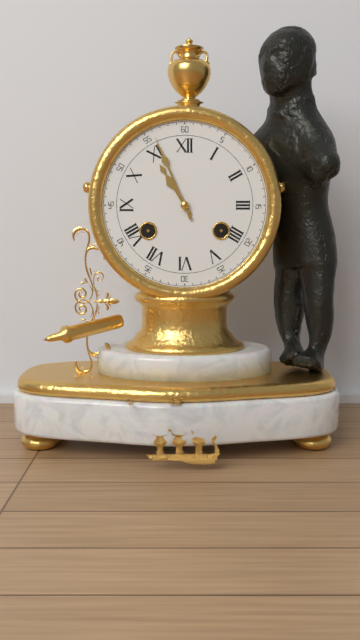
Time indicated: 10:56
